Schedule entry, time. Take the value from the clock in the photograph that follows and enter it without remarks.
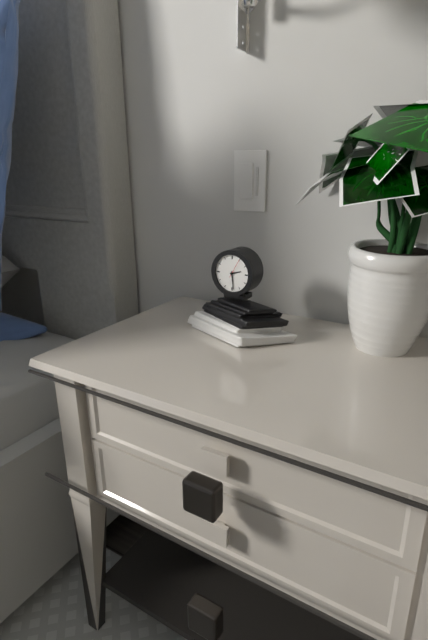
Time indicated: 2:29
